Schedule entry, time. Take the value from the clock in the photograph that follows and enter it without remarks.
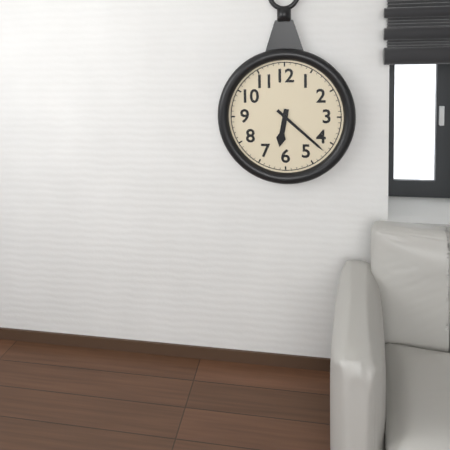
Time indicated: 6:22
